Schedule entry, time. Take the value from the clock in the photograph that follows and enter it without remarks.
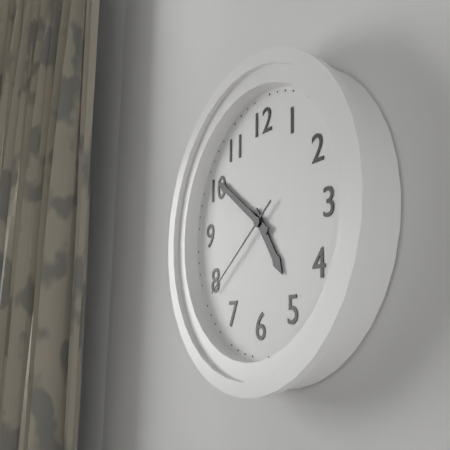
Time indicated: 4:51:39
